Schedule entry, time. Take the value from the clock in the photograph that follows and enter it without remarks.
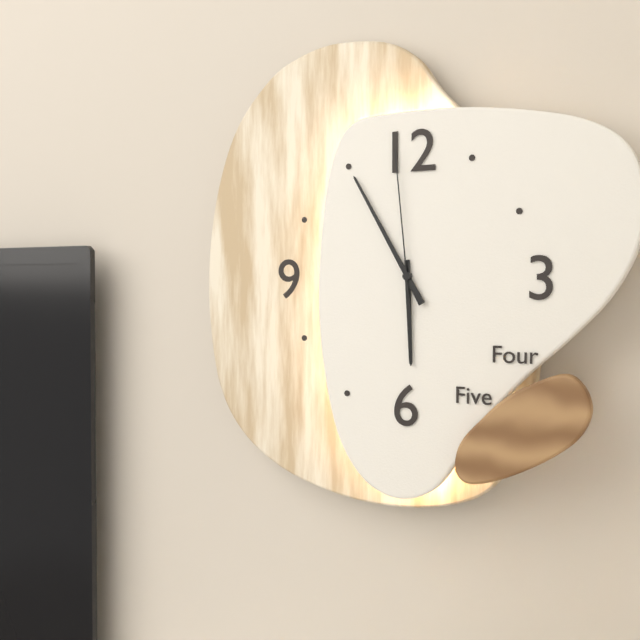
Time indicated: 5:55:59
